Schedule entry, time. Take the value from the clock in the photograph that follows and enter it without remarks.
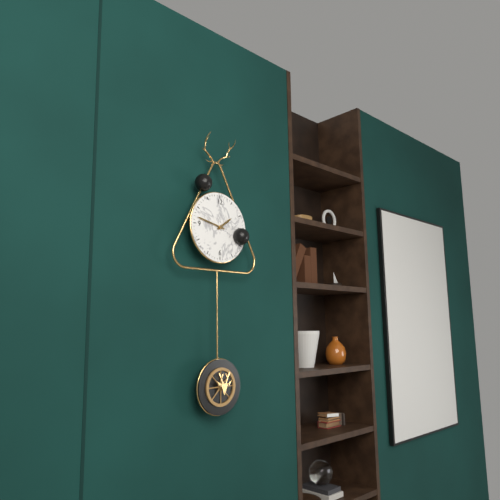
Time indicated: 1:47
